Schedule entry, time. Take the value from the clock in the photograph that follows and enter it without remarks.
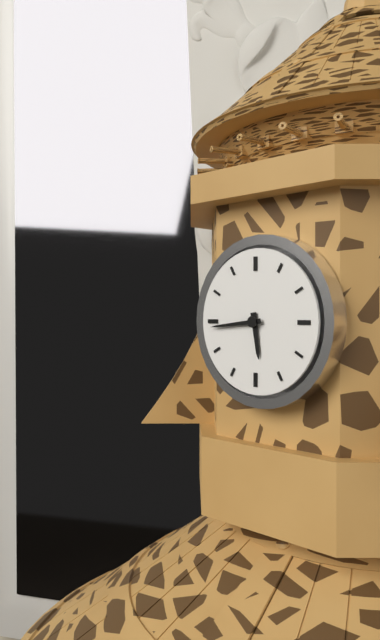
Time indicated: 5:44
